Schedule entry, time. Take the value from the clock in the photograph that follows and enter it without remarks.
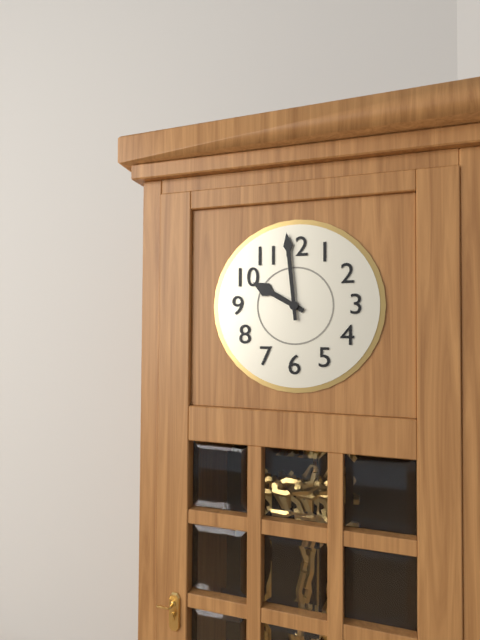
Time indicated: 9:59
